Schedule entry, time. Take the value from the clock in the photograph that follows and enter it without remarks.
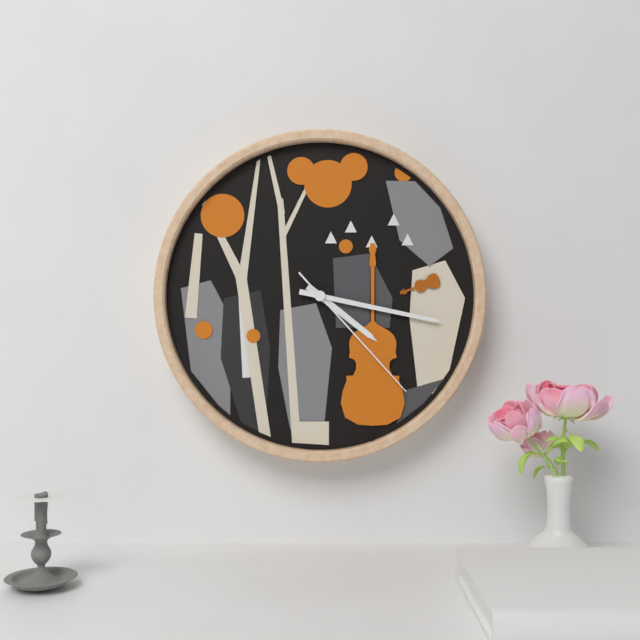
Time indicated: 4:17:23
